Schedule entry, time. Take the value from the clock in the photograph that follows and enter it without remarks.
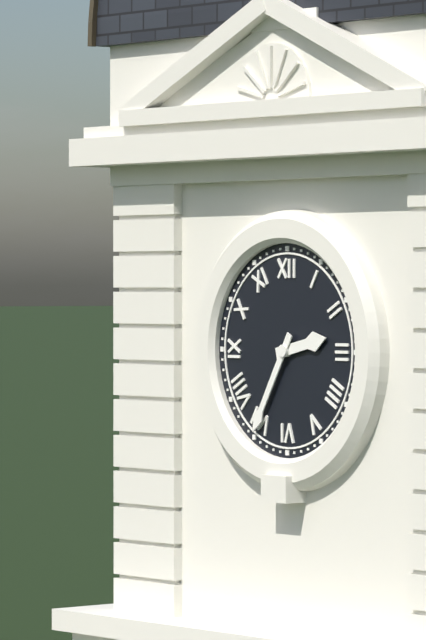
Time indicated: 2:35
